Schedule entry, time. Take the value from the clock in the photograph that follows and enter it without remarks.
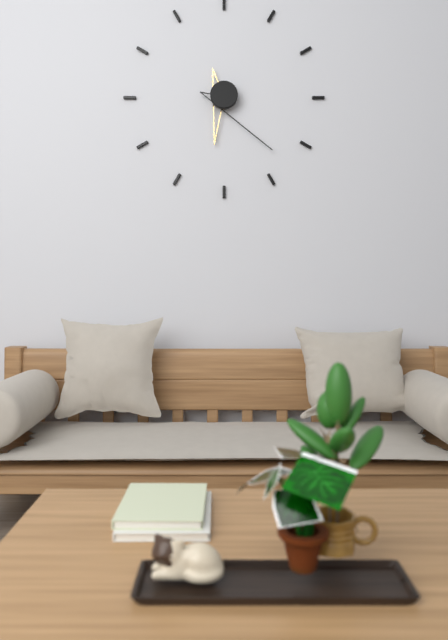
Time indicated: 6:23
